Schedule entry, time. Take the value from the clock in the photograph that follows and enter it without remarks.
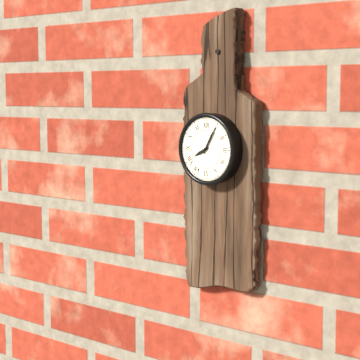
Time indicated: 8:05
